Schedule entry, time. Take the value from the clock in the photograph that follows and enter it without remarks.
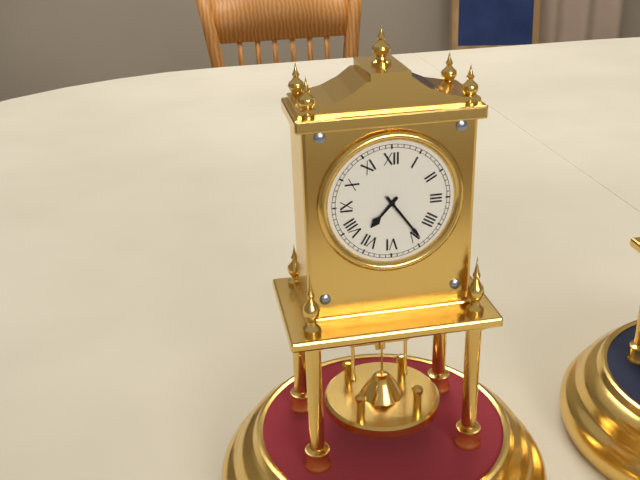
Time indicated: 7:24
